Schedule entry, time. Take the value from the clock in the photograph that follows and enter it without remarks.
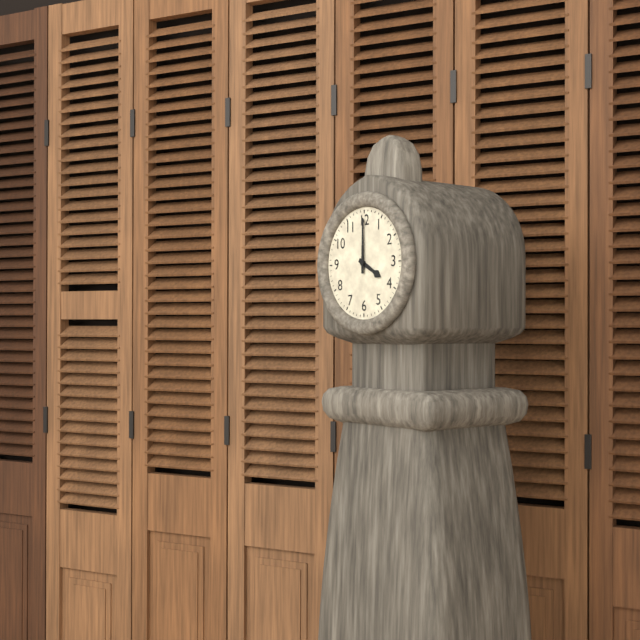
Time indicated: 4:00
